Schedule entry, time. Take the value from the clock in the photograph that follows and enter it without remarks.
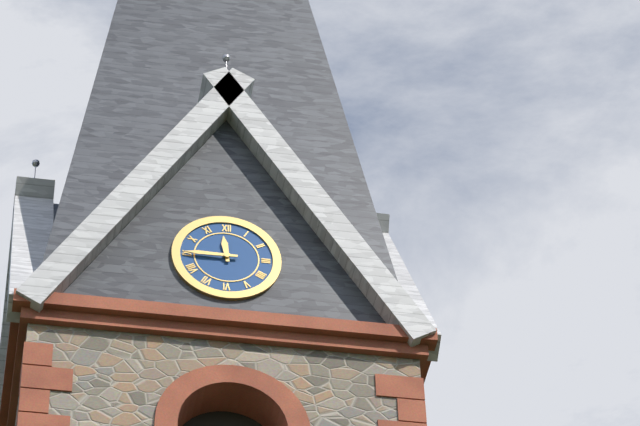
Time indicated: 11:45
